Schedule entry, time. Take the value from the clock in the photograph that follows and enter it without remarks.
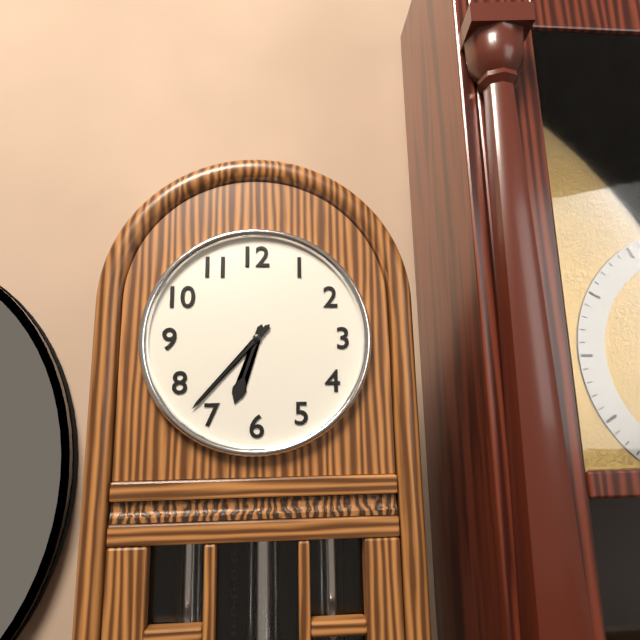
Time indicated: 6:37
